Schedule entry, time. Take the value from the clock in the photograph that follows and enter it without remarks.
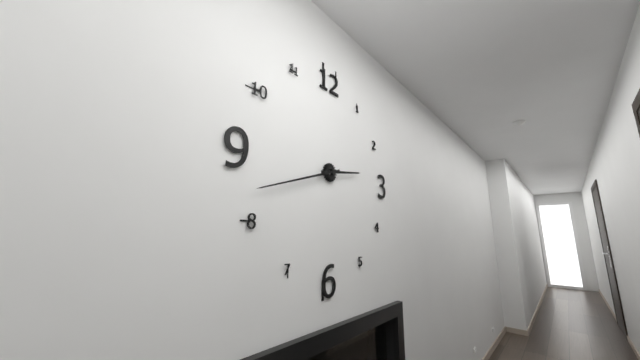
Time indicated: 2:42
